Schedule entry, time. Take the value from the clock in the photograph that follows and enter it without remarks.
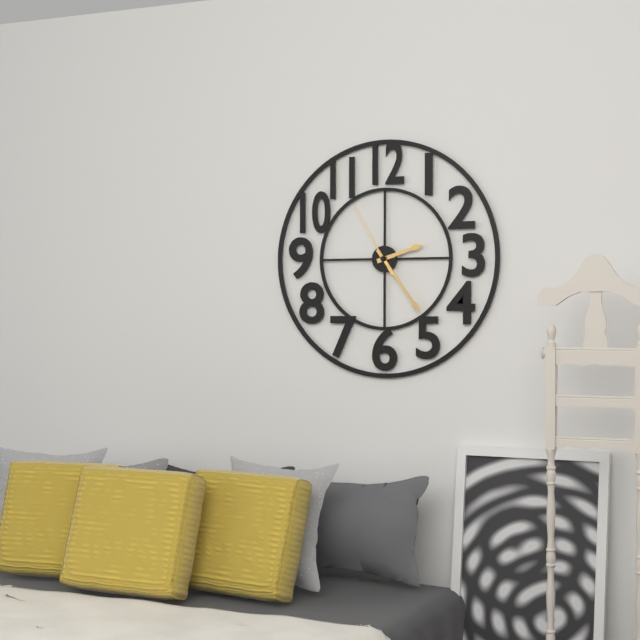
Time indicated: 2:24:55
